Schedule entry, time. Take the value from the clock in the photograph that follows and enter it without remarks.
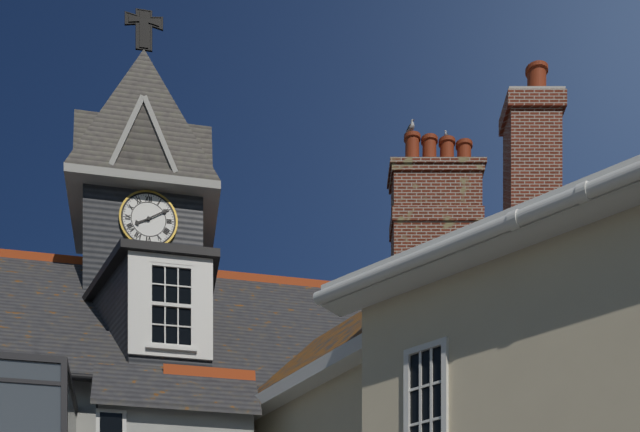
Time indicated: 8:10
